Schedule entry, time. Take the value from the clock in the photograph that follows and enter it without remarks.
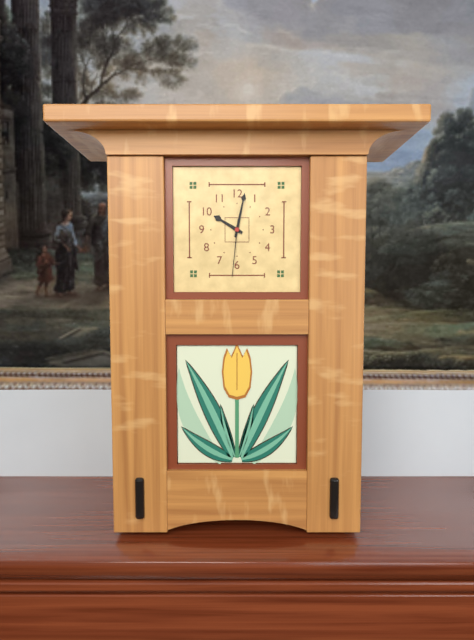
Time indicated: 10:02:31
